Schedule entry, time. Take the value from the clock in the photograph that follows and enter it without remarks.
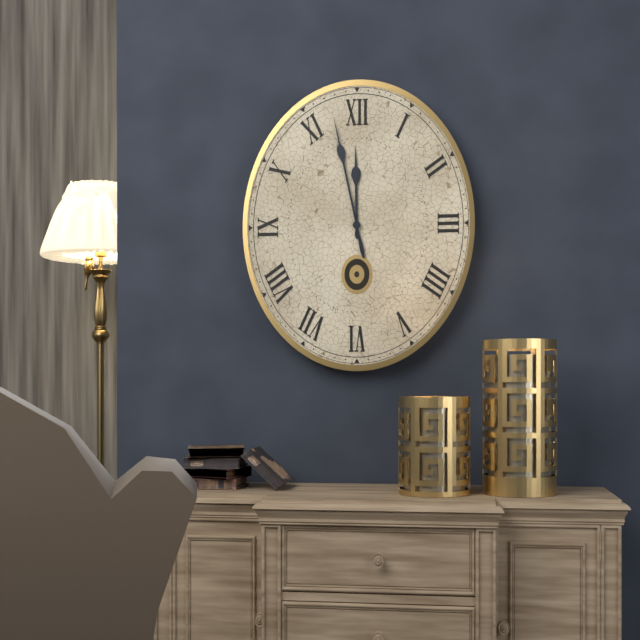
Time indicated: 11:58
